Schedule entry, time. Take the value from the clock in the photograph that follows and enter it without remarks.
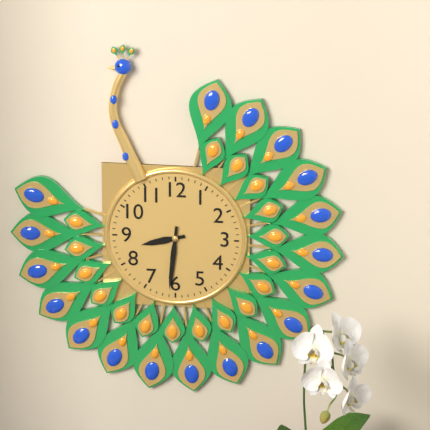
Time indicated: 8:31
